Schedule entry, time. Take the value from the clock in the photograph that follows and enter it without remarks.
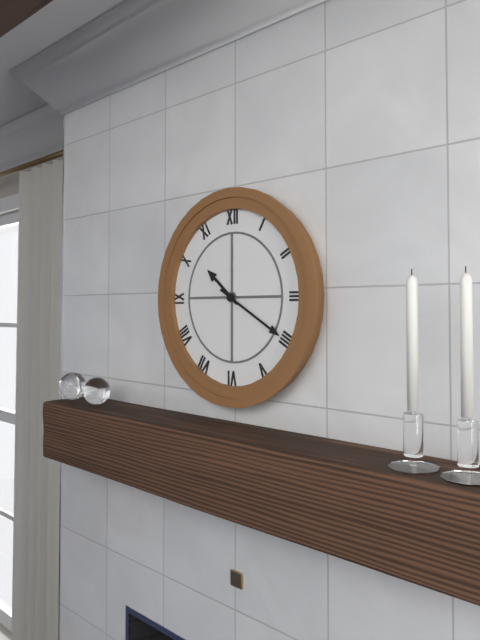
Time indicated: 10:20
